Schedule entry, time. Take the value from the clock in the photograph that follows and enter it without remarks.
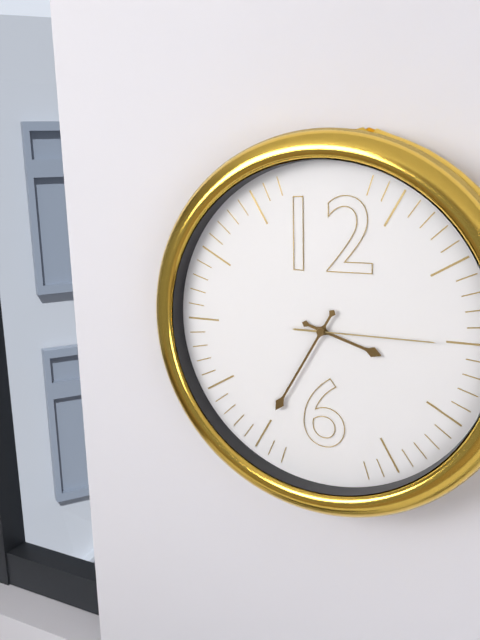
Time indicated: 3:35:15
